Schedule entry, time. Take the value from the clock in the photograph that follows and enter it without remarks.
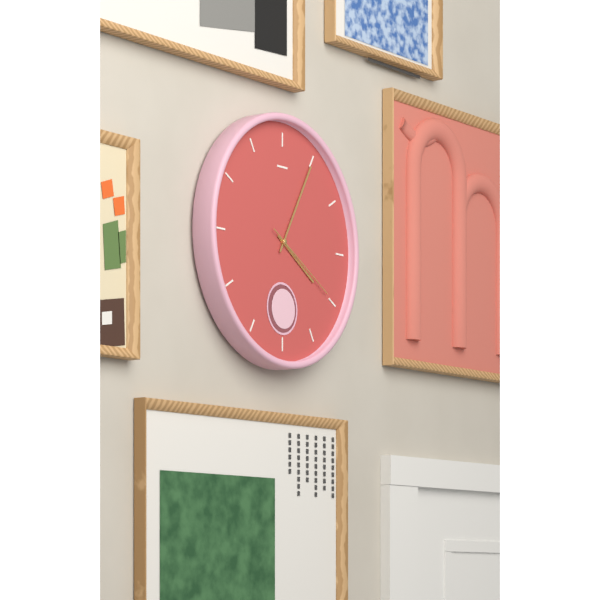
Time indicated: 4:05:20
